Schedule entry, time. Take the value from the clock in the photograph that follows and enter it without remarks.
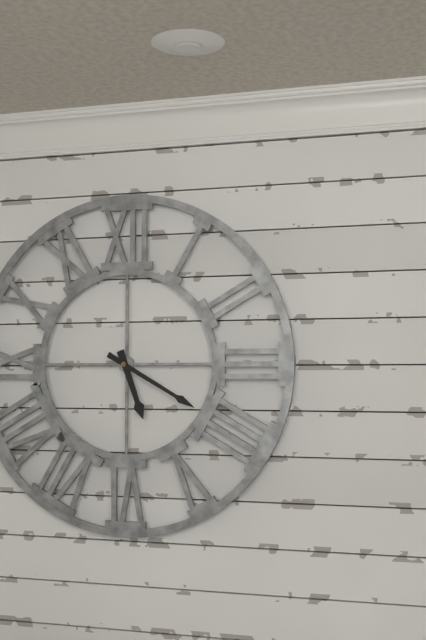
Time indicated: 5:20
